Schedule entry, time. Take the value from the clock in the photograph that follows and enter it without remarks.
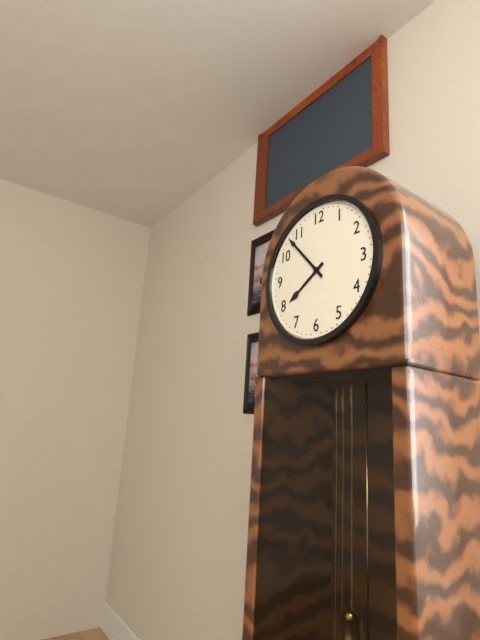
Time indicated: 7:53
